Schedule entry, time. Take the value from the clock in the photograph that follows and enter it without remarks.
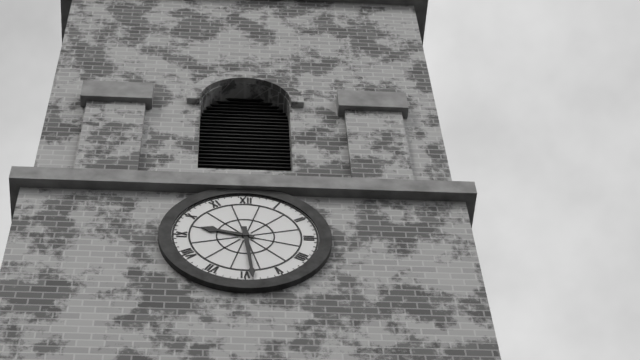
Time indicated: 9:29
